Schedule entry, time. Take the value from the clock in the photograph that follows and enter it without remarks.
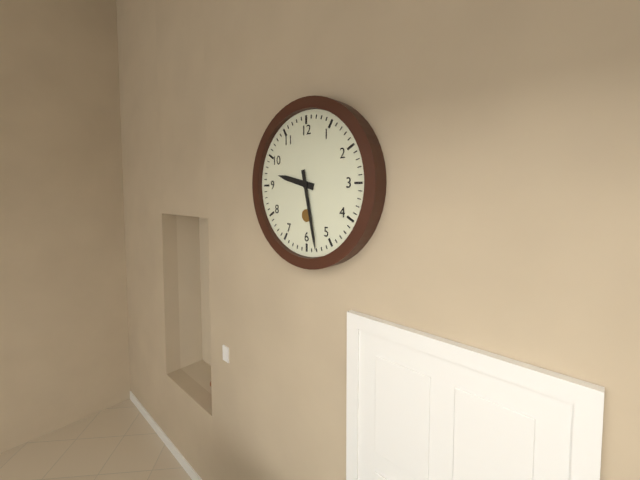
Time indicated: 9:28
